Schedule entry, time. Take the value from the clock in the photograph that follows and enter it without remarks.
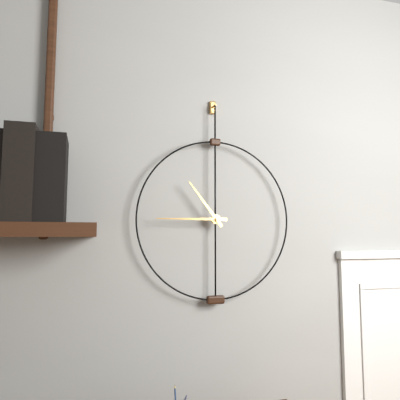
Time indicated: 10:45
